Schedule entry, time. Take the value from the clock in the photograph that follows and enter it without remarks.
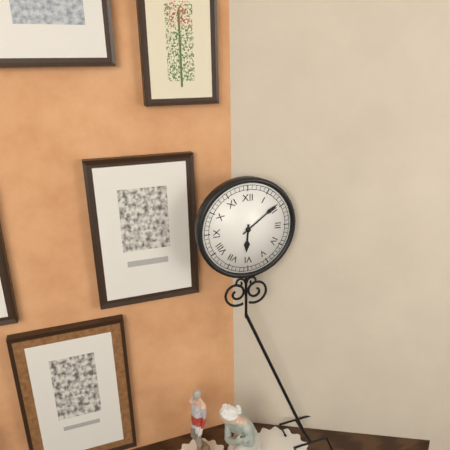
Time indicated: 6:09
